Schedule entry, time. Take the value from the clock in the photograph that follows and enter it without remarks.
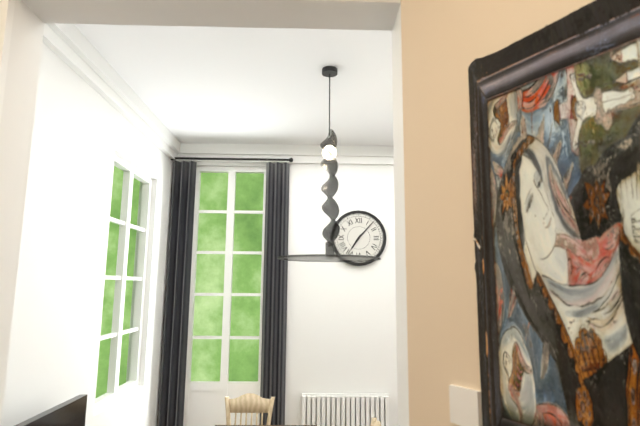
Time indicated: 7:07
